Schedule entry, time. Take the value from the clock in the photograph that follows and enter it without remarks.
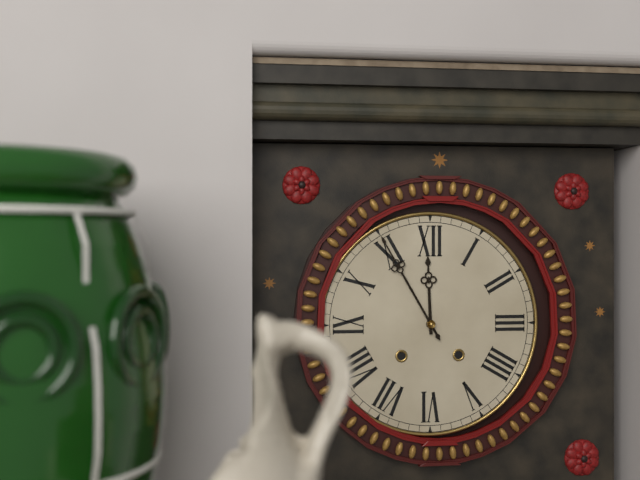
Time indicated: 11:55
